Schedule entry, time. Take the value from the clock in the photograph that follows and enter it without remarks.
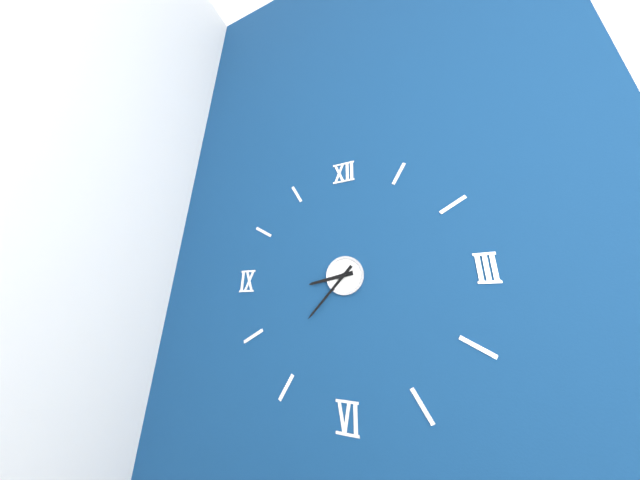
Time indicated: 8:37
